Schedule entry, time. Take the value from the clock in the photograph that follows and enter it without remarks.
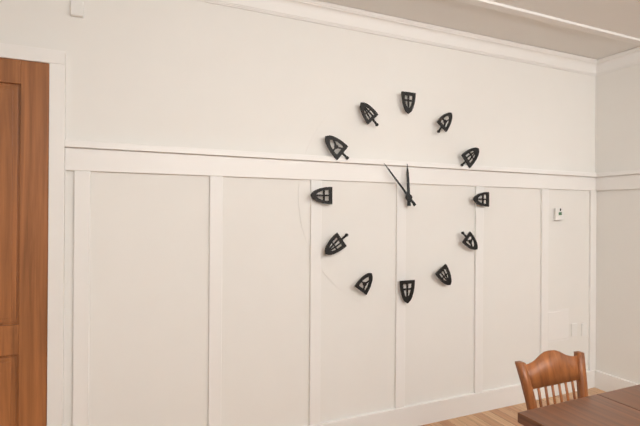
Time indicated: 11:53
